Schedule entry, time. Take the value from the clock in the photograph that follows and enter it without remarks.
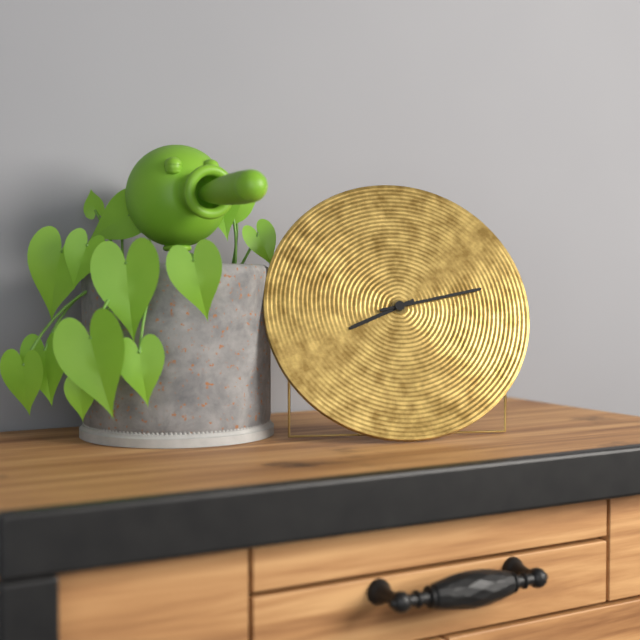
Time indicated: 8:13
